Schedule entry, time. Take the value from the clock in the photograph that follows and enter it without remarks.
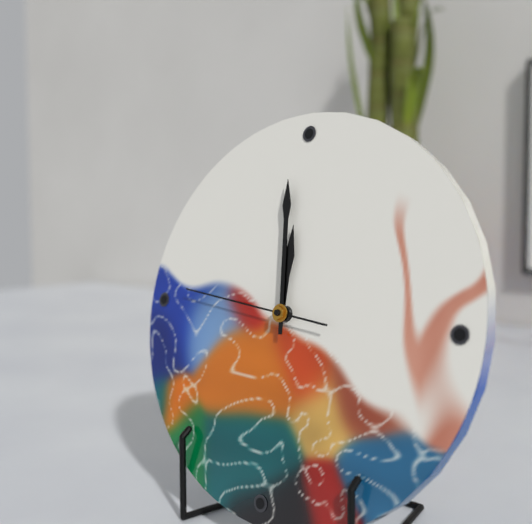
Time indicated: 11:59:46
